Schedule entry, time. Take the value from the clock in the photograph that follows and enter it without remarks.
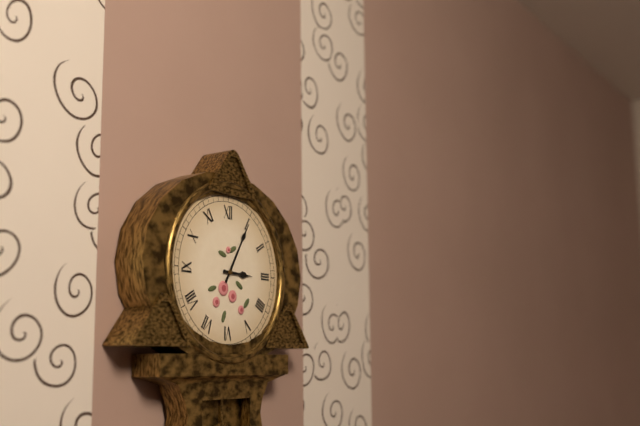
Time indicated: 3:05
